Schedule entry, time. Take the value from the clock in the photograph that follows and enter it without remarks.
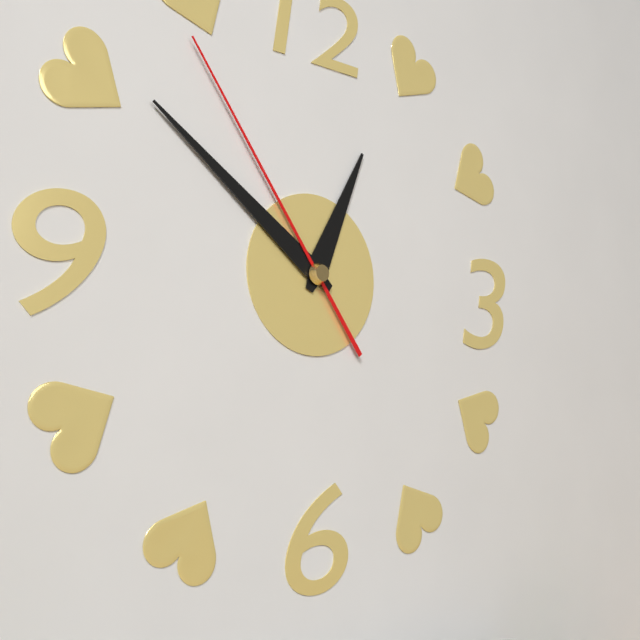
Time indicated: 12:51:54
